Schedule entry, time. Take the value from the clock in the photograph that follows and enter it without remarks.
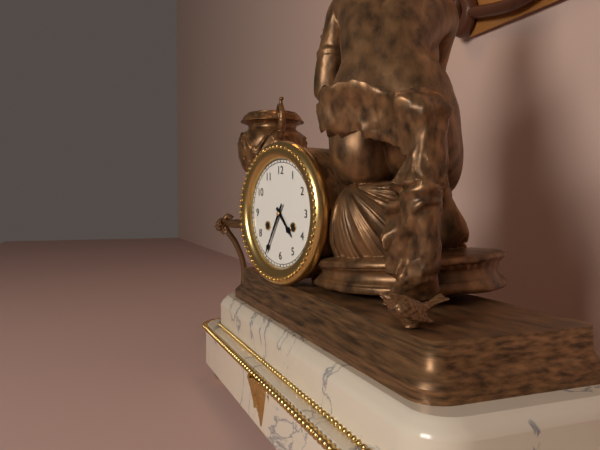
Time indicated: 4:35
